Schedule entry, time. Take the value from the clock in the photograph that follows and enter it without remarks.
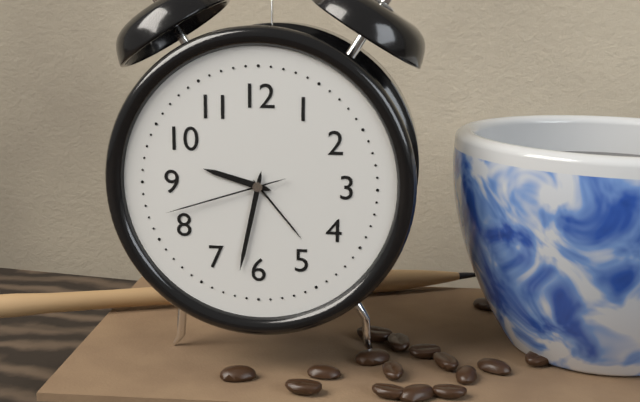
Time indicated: 9:32:42
